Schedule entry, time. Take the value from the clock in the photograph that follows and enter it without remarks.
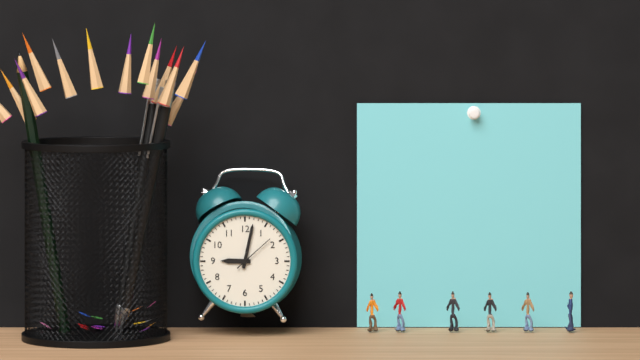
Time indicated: 9:02
